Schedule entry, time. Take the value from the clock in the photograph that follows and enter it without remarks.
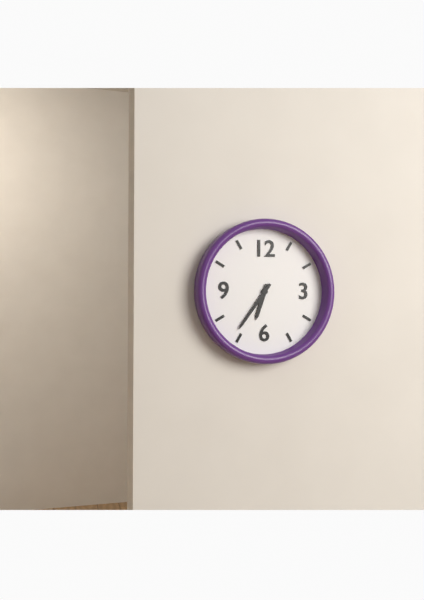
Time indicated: 6:36
